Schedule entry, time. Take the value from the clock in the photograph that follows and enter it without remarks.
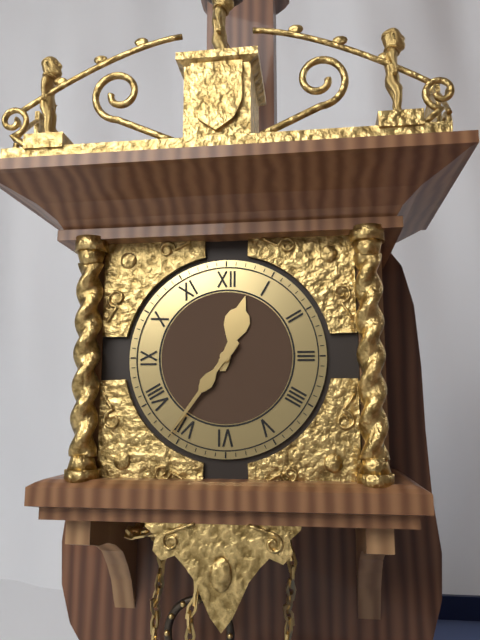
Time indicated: 12:36
